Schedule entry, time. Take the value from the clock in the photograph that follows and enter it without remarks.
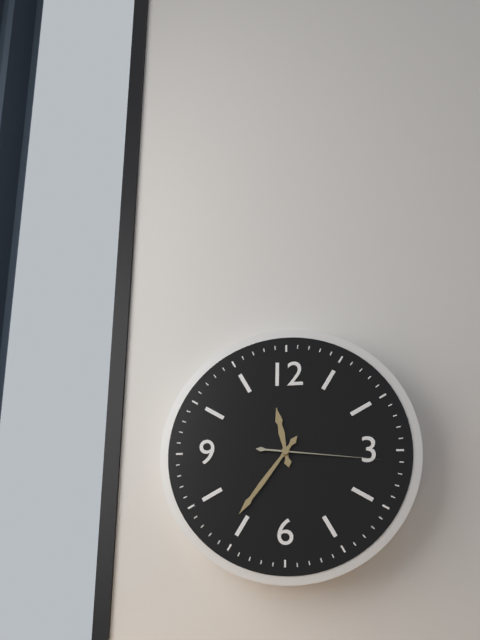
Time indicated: 11:36:16
